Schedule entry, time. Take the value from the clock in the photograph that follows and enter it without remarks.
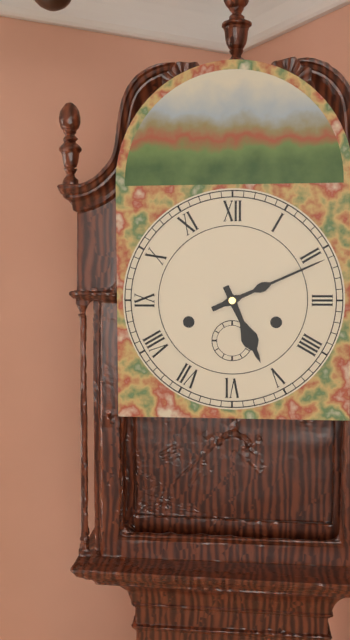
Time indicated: 5:11
